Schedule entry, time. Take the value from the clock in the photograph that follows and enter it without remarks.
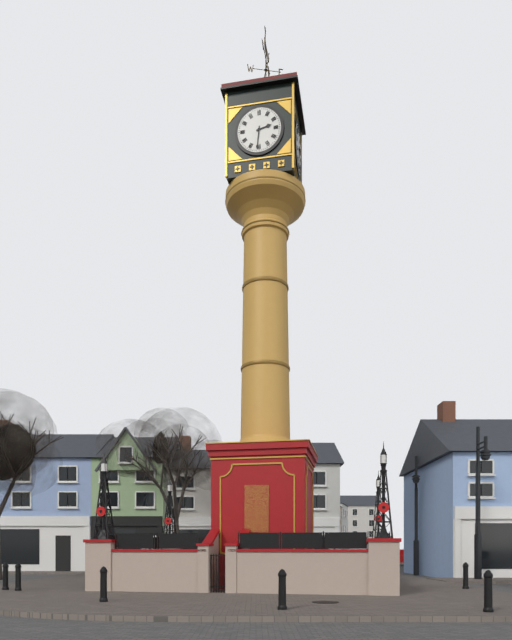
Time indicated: 2:31
